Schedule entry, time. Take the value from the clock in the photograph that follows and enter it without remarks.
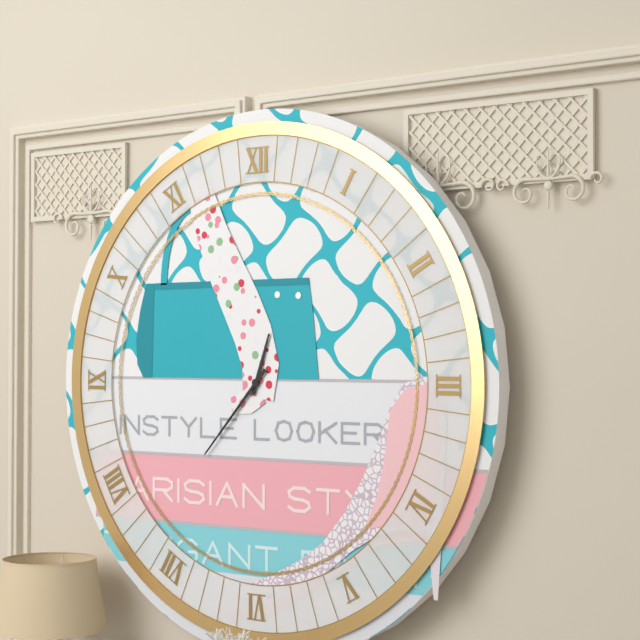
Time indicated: 12:37
